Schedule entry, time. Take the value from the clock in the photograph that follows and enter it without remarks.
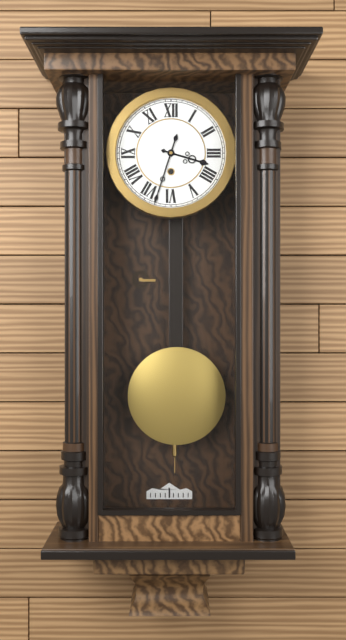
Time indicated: 3:33
